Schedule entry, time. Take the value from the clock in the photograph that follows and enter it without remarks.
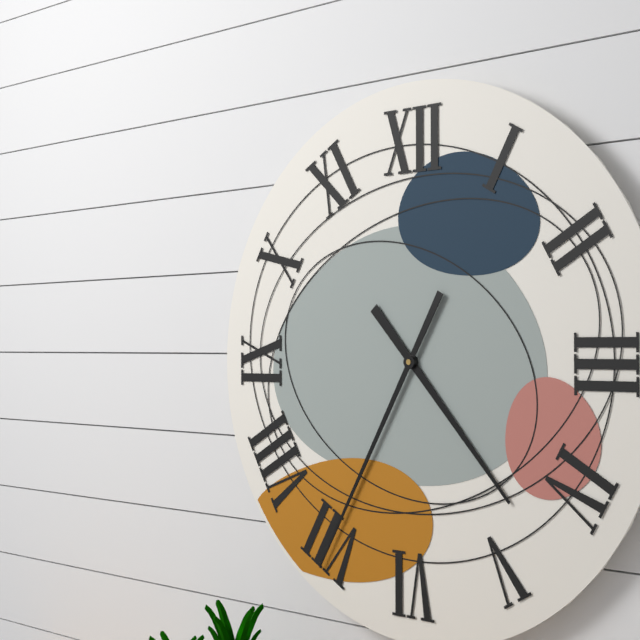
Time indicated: 4:35
